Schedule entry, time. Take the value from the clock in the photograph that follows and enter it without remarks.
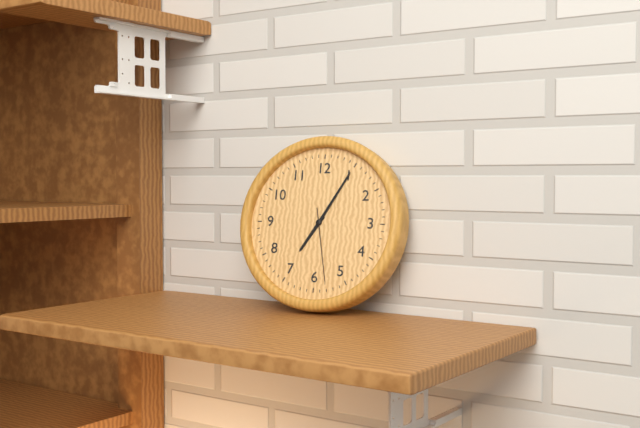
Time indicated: 7:05:28
